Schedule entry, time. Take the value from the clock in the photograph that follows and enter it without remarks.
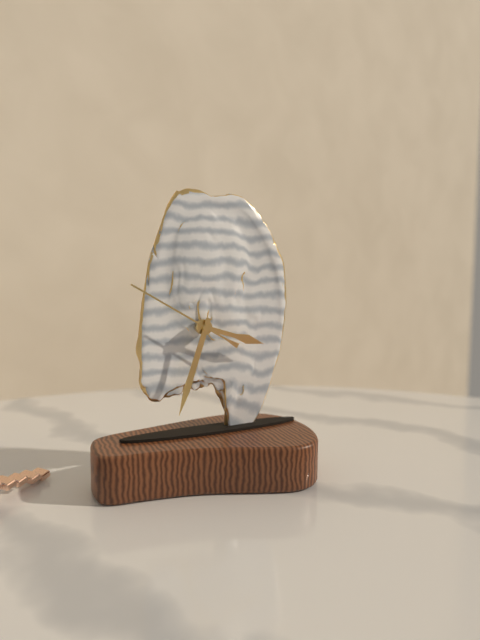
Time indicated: 3:33:50
